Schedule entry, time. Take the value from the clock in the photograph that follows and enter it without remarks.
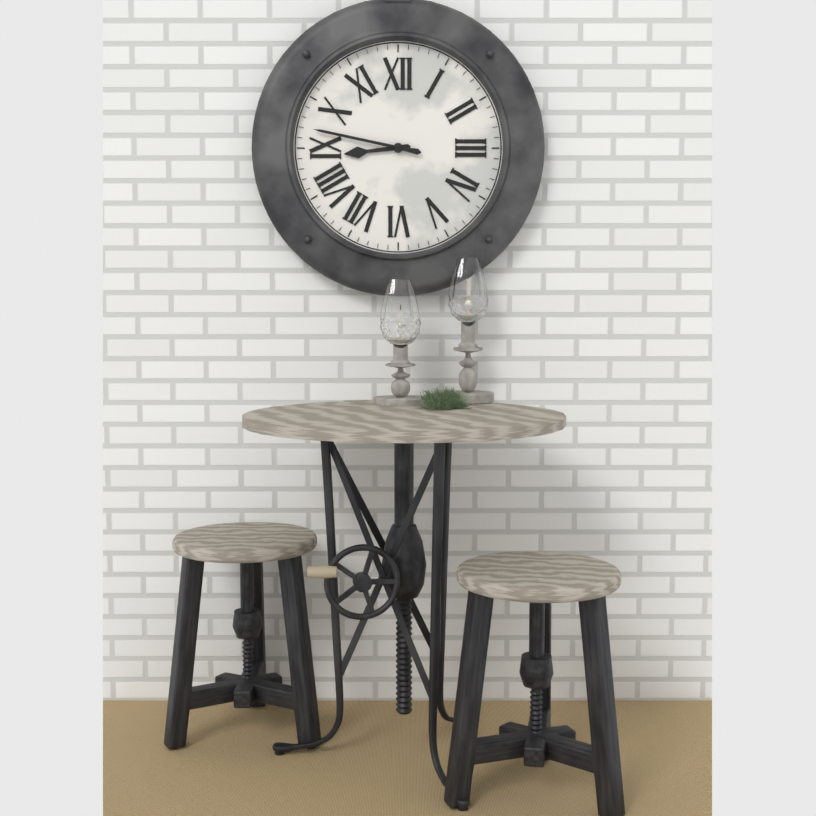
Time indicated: 8:47
